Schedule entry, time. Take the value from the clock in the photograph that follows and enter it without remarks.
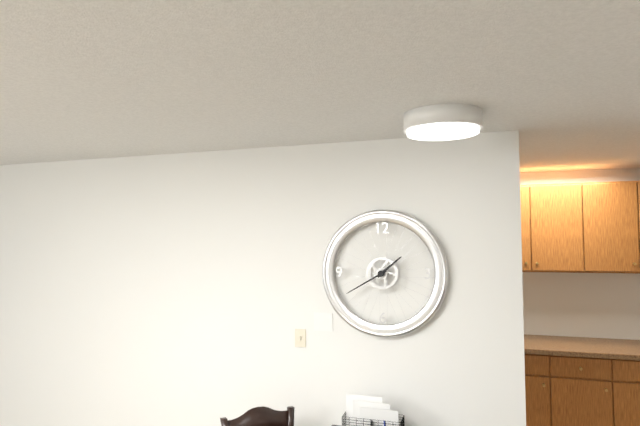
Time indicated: 1:40
